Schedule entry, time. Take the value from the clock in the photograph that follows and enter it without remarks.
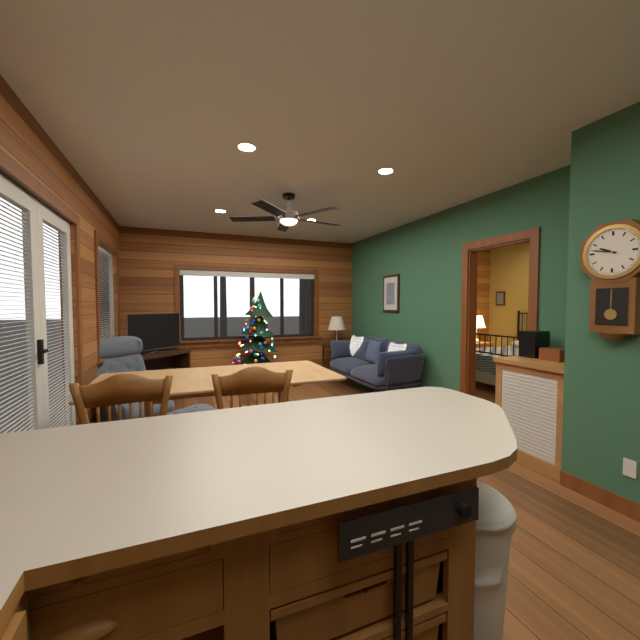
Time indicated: 9:47
